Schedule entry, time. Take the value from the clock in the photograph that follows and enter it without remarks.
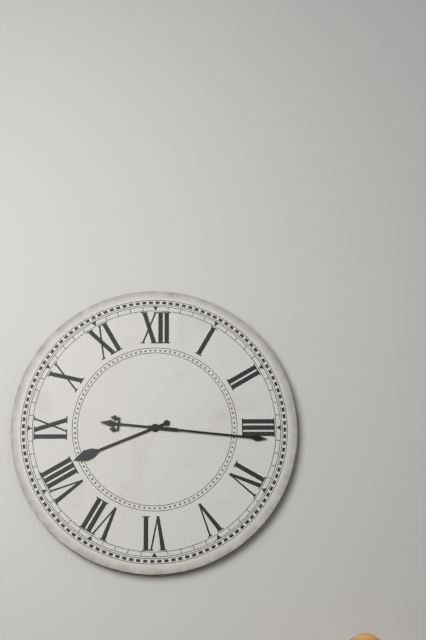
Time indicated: 8:16
